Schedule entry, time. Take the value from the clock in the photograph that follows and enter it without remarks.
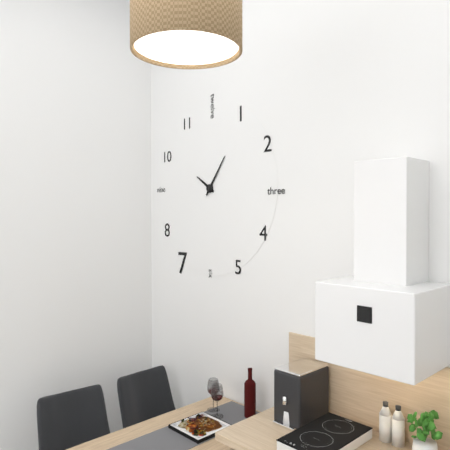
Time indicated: 10:06
